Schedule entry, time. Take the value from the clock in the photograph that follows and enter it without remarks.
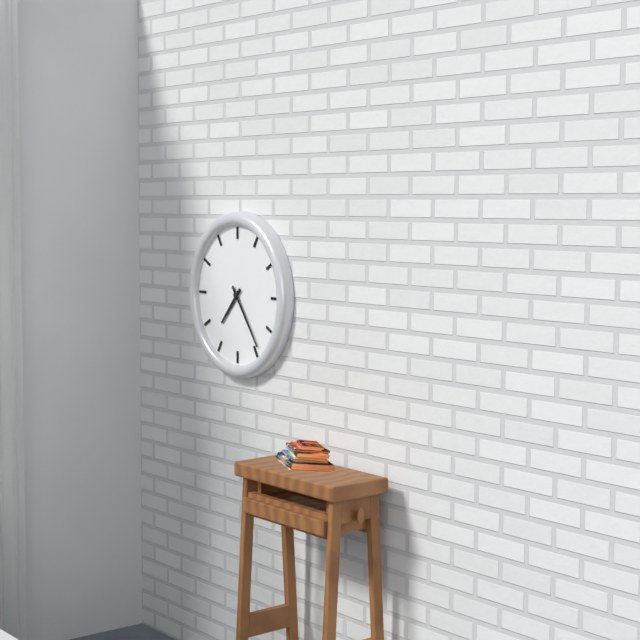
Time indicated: 7:24
